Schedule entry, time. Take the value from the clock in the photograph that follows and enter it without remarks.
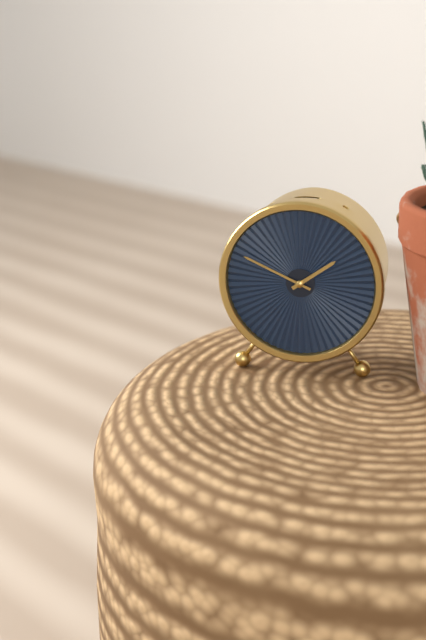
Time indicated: 1:49
